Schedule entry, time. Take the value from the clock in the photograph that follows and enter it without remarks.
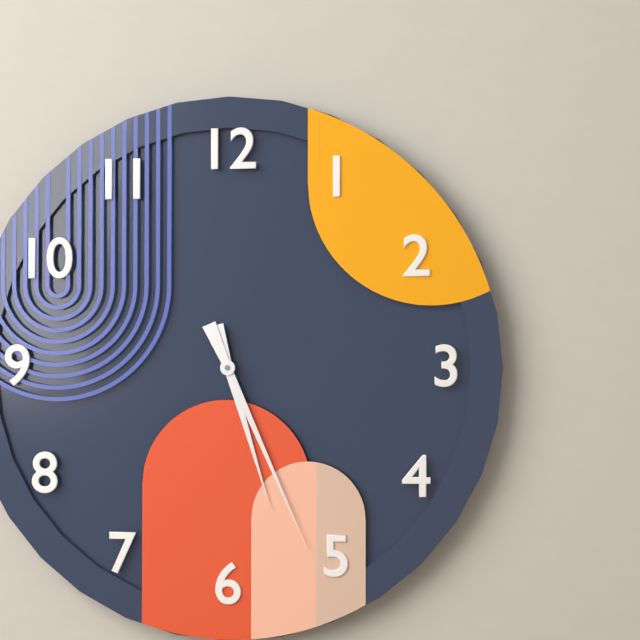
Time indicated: 5:26
